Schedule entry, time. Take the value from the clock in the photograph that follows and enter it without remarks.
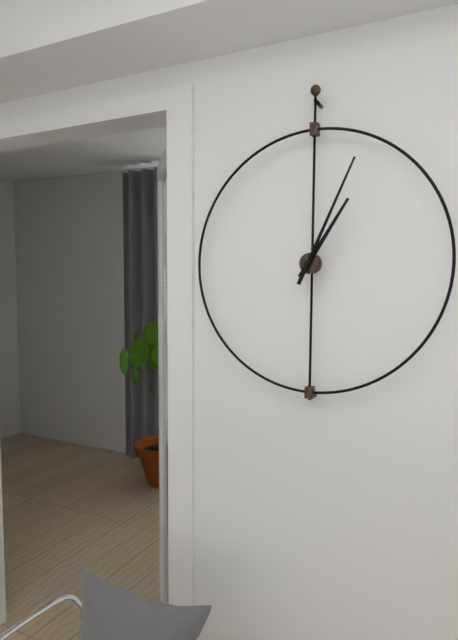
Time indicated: 1:04
